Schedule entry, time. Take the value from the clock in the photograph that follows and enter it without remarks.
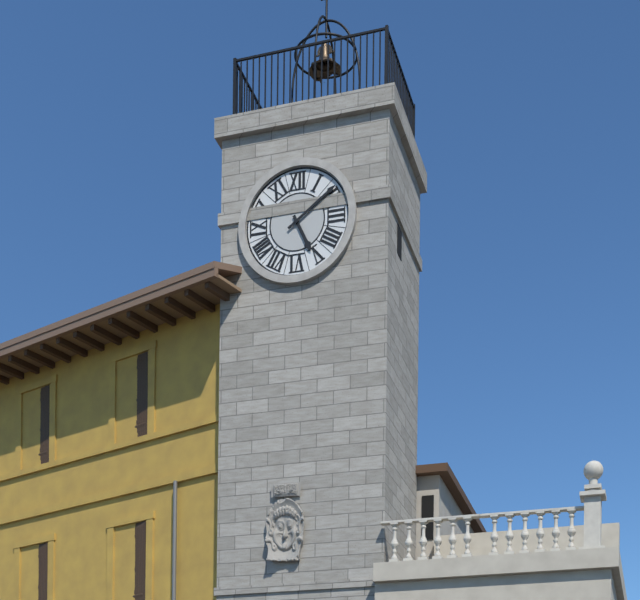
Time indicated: 5:09
